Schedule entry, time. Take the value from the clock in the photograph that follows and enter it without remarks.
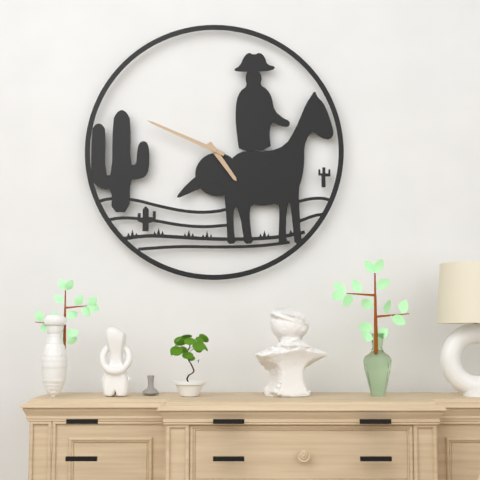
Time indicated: 4:49
